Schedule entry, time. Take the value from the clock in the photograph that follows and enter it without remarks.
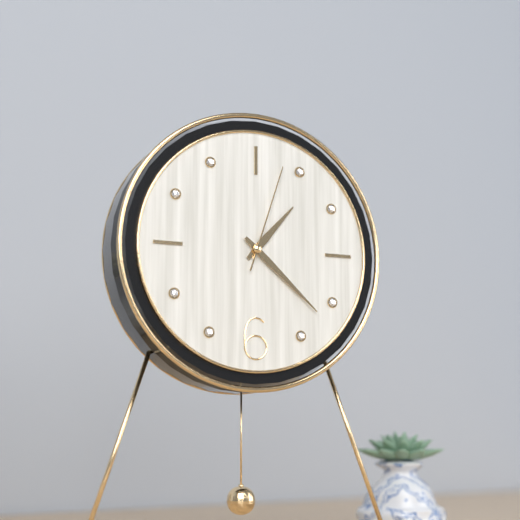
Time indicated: 1:22:03
